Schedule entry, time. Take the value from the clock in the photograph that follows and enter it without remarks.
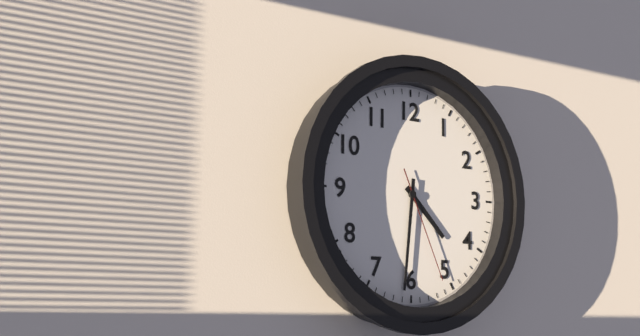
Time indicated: 4:31:26
